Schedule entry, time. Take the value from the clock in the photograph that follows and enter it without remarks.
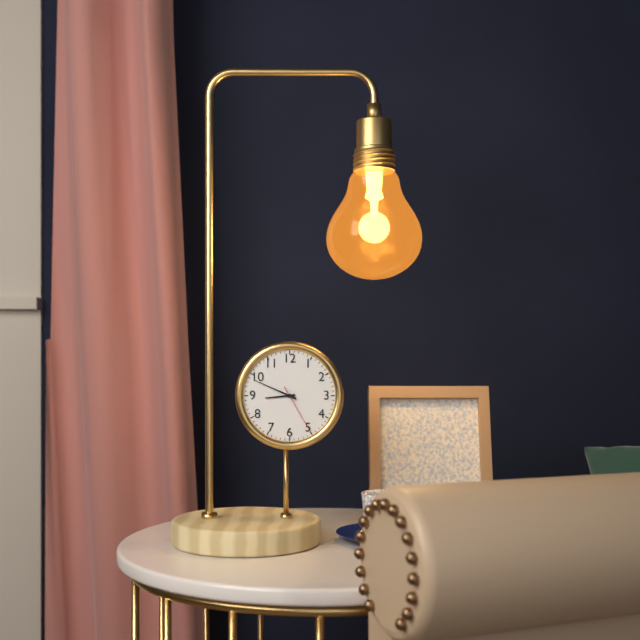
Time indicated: 8:49:25
